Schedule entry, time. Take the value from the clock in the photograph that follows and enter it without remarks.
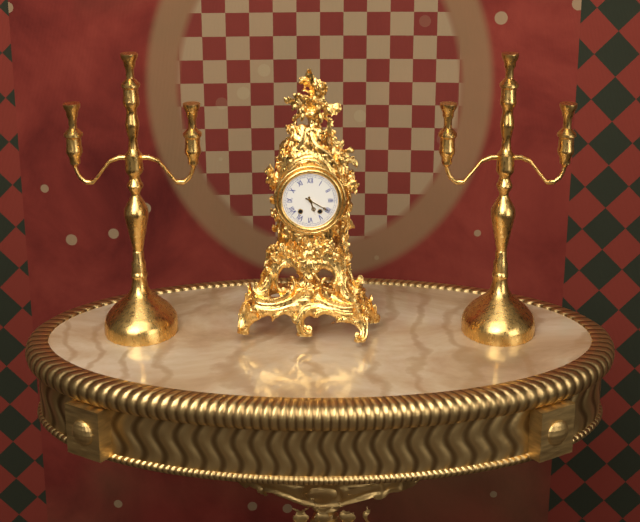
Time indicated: 5:20
